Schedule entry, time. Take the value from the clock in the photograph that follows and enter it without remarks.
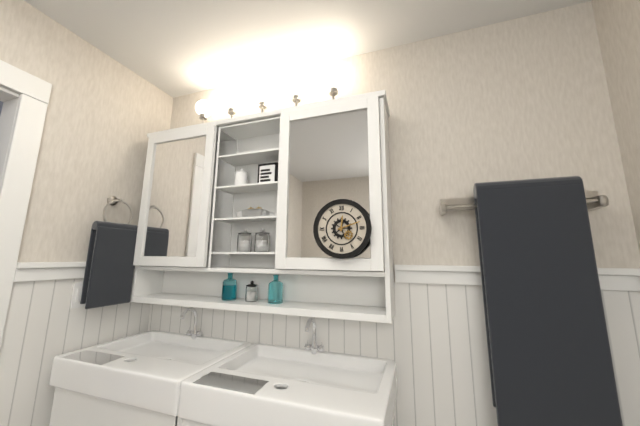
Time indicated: 12:12
